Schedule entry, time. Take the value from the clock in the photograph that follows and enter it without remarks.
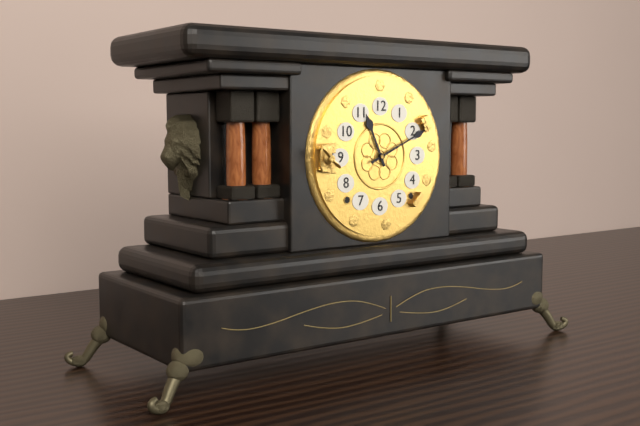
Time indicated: 11:11
